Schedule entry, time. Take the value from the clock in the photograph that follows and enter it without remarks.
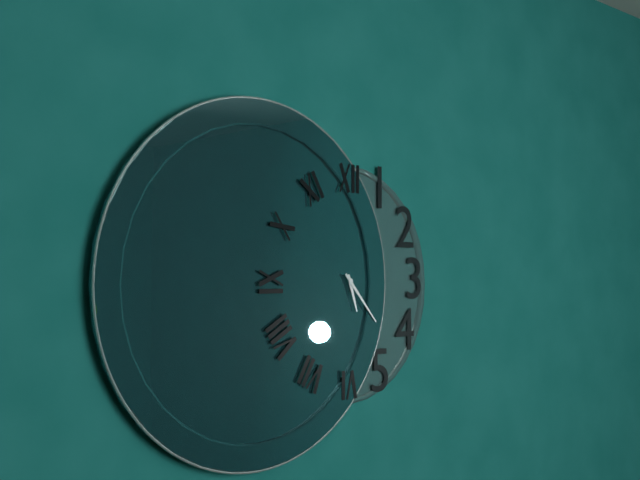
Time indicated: 5:23
